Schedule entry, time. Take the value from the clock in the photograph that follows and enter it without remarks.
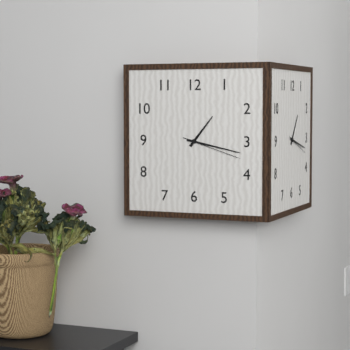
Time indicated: 1:17:18
